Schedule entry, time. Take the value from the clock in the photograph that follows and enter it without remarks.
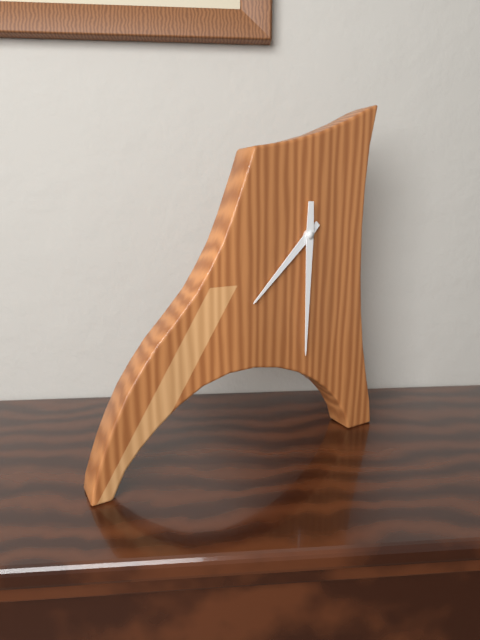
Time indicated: 7:30
